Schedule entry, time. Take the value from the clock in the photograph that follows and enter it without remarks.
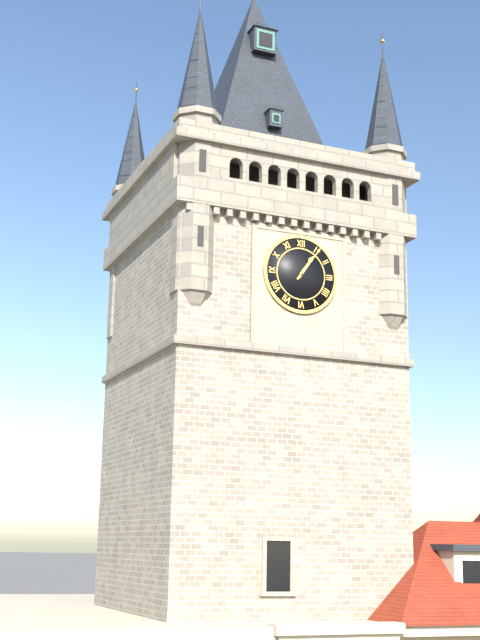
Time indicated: 1:06
